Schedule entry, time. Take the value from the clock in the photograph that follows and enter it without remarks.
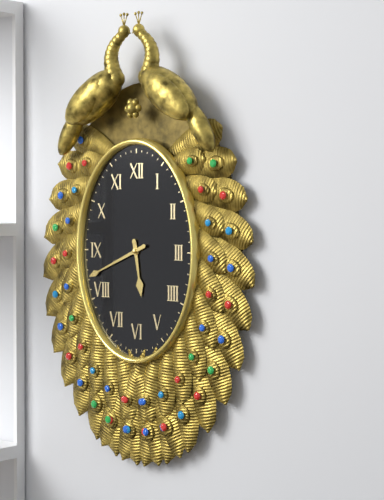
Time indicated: 5:41
